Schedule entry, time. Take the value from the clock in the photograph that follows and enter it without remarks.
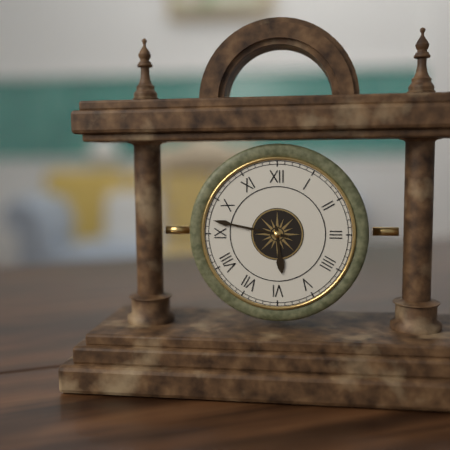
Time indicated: 5:47
